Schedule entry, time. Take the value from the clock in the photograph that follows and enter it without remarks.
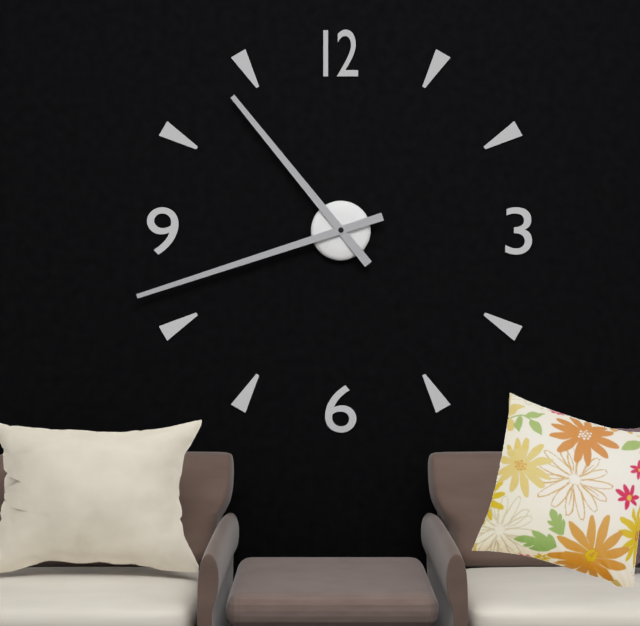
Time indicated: 10:42
